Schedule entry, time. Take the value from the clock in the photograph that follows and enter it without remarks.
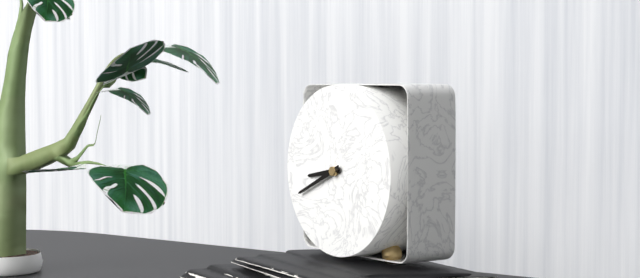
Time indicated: 8:41
